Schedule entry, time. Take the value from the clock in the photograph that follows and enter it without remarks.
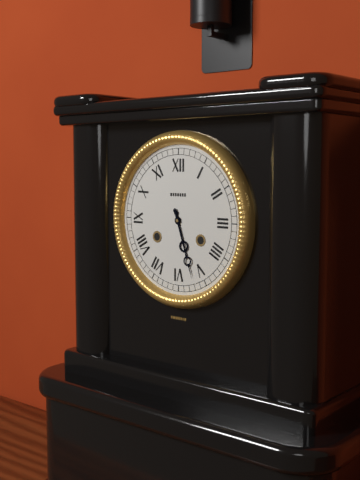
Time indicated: 5:27
